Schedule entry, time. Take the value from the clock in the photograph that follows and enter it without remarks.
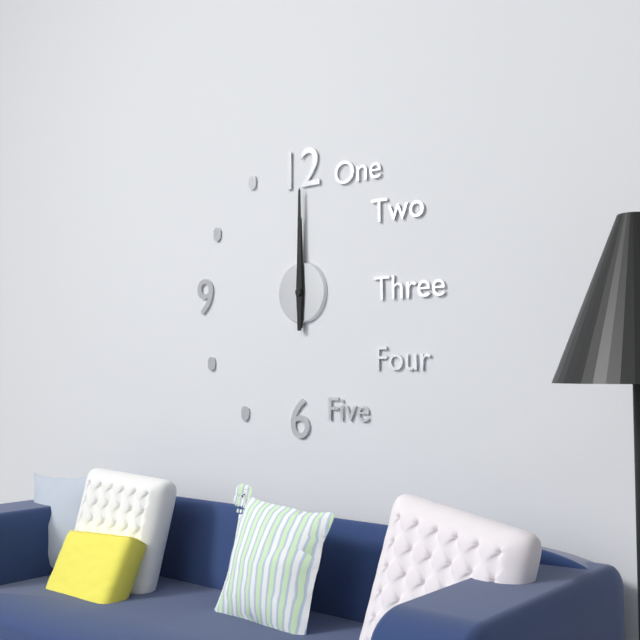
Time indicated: 12:00
